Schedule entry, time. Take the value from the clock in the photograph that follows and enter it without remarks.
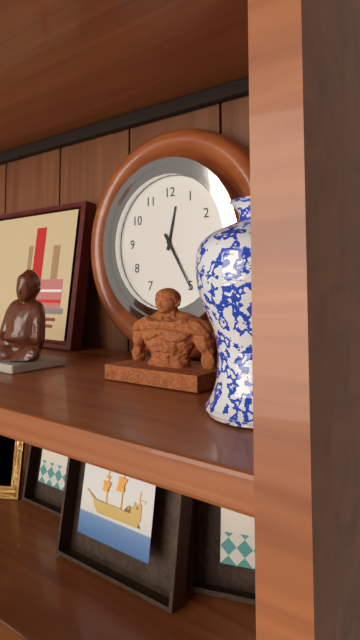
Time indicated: 12:25
